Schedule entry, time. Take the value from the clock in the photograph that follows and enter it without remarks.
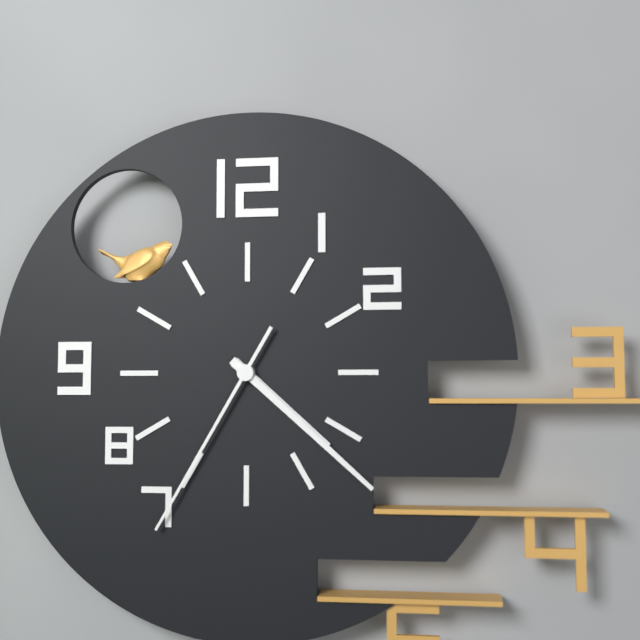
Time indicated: 4:22:35
